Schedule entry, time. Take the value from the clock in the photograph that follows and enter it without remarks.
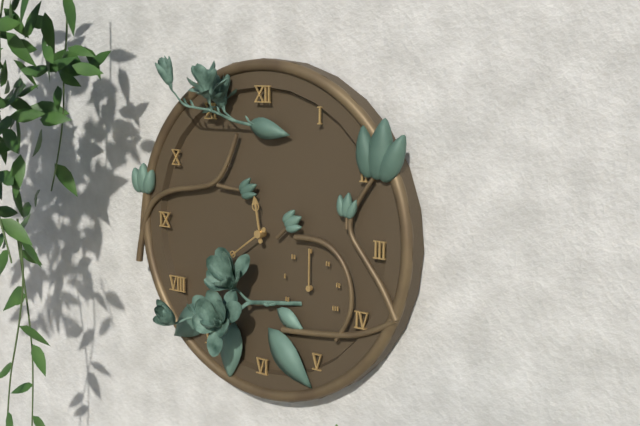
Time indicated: 11:39
